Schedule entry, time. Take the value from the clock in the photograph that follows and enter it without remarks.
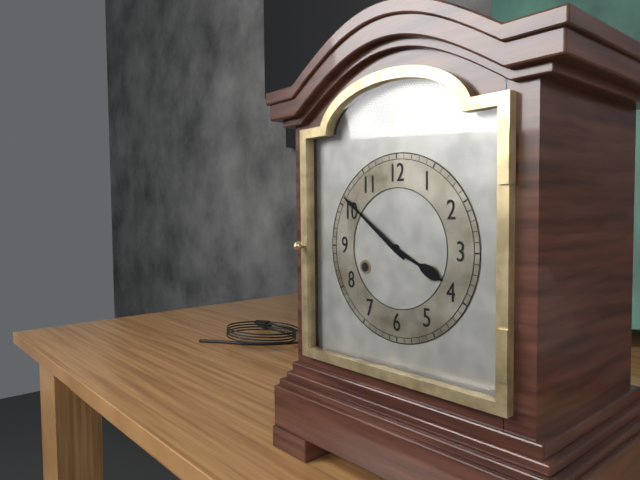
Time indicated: 3:51
